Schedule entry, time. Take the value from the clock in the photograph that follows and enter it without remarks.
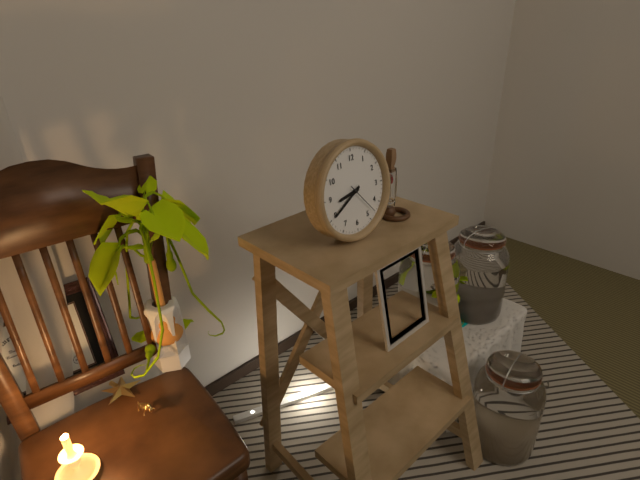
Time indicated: 8:40
